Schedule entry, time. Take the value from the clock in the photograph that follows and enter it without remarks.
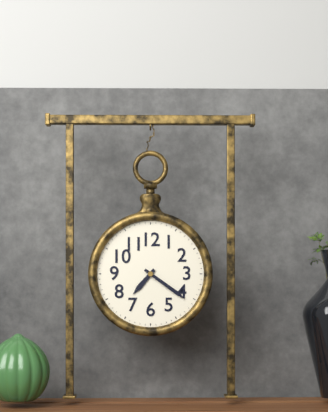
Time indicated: 7:21
